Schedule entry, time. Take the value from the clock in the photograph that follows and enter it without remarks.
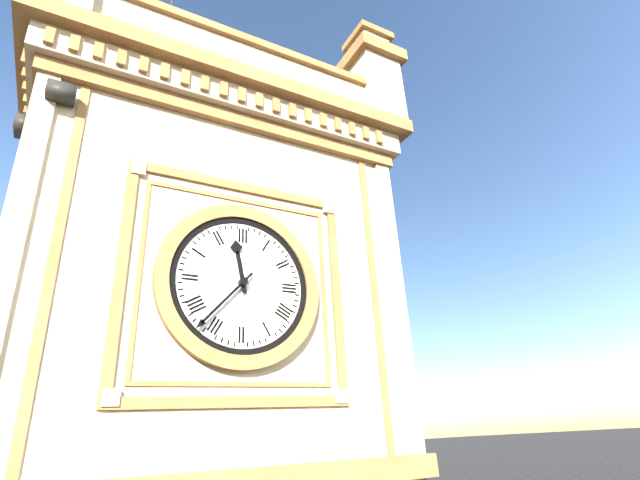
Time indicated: 11:37
